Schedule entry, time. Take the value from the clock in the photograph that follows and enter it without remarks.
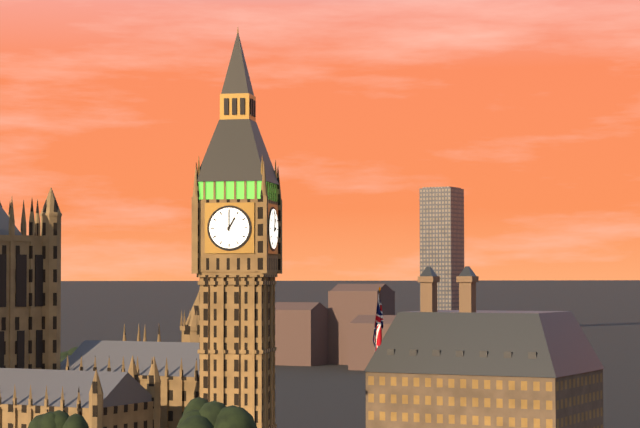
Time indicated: 1:00
